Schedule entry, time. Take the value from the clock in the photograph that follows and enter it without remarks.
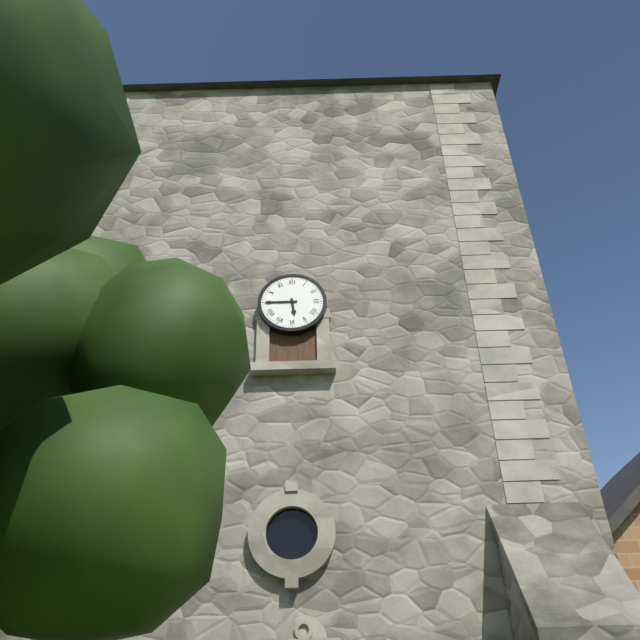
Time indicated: 5:45
